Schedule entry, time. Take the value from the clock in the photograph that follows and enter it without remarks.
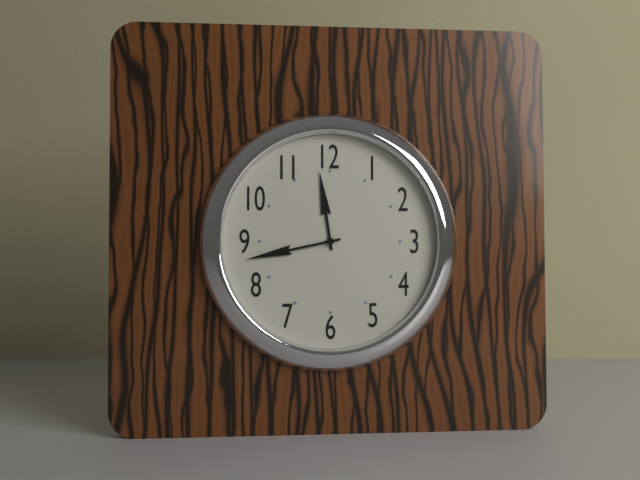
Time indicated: 11:43
